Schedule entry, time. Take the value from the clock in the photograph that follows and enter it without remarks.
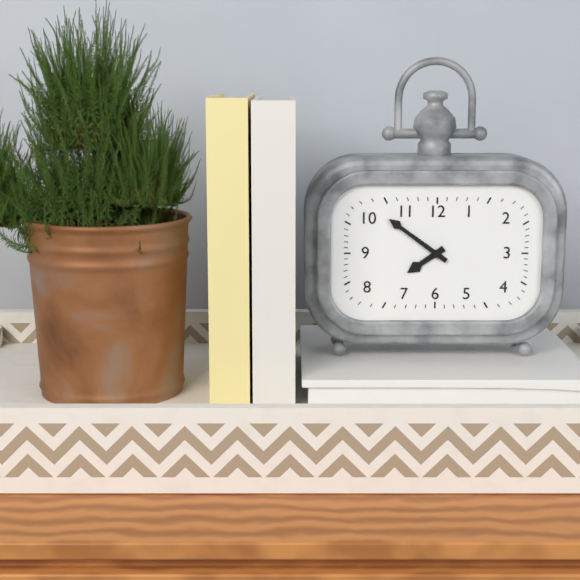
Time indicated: 7:51
